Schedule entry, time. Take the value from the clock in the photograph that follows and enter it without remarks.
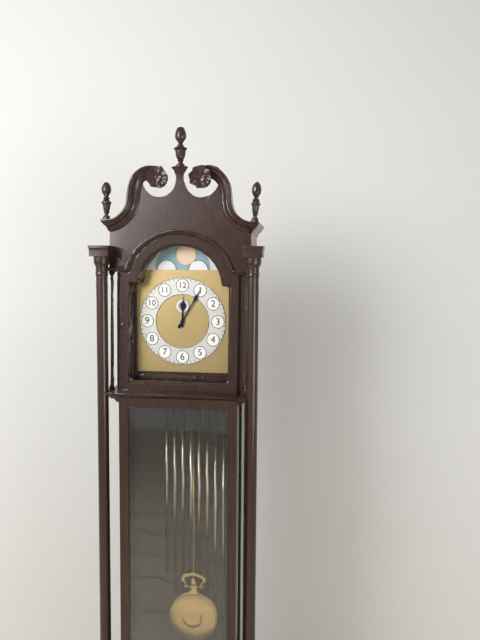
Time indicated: 12:05
